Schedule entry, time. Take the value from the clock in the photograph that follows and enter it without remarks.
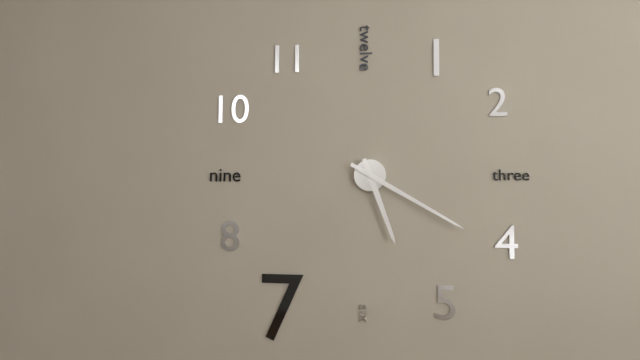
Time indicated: 5:20
